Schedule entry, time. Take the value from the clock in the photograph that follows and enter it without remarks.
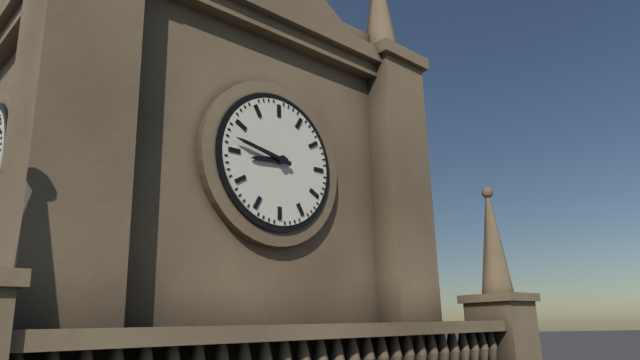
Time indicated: 8:47
